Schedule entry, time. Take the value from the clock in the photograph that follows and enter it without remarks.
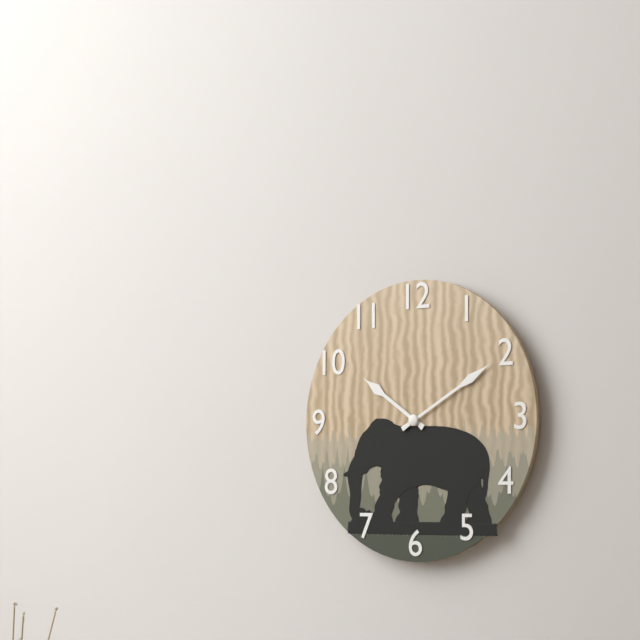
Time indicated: 10:10
